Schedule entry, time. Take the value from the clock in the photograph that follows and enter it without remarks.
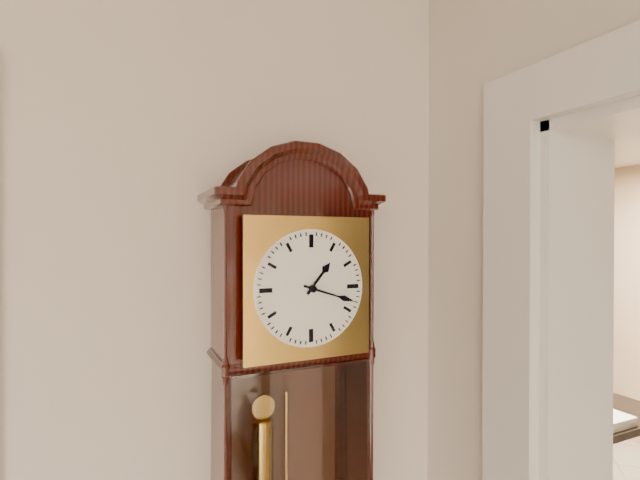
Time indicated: 1:18
